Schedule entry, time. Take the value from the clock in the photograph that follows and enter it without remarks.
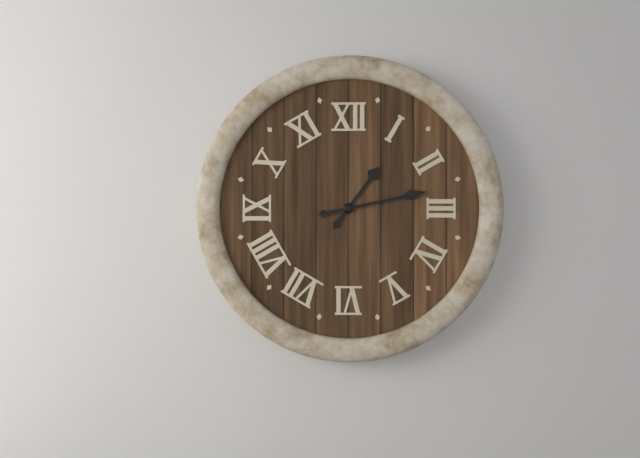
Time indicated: 1:13
